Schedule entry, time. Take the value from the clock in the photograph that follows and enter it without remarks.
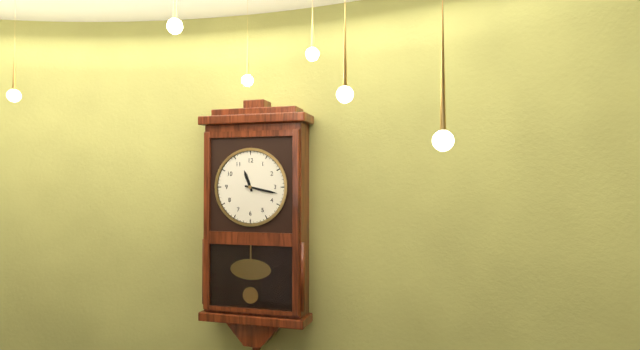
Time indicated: 11:17
